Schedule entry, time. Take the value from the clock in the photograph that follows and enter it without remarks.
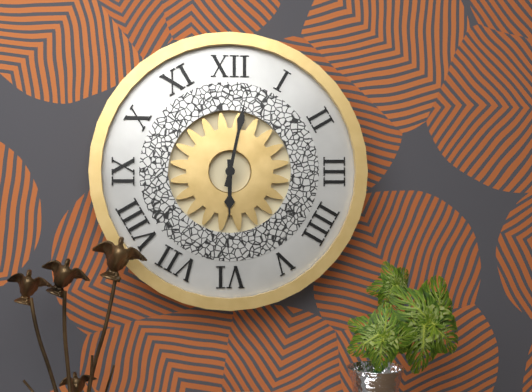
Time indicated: 6:02
